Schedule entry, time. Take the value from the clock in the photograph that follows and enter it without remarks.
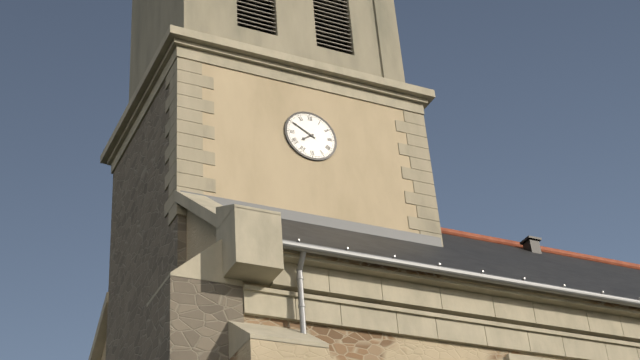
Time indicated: 7:50
